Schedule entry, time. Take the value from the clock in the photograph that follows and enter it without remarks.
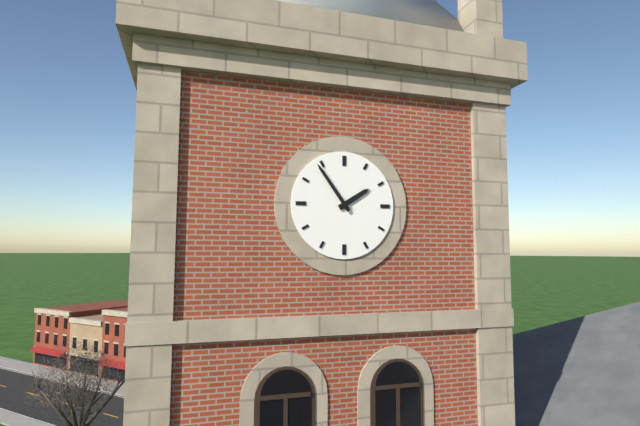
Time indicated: 1:54
